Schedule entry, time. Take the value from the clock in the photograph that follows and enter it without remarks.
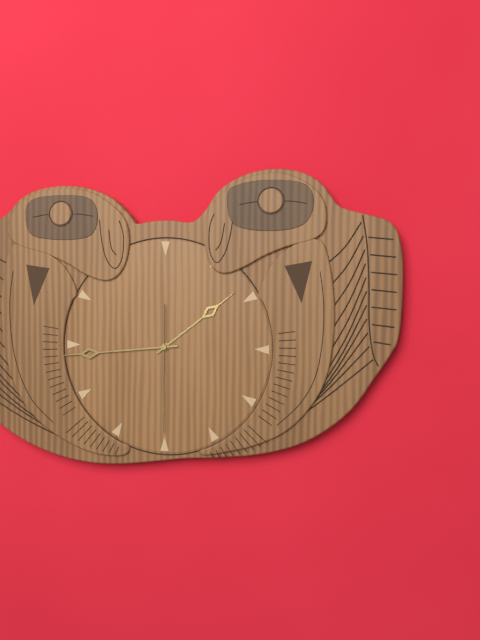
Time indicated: 1:44:30
